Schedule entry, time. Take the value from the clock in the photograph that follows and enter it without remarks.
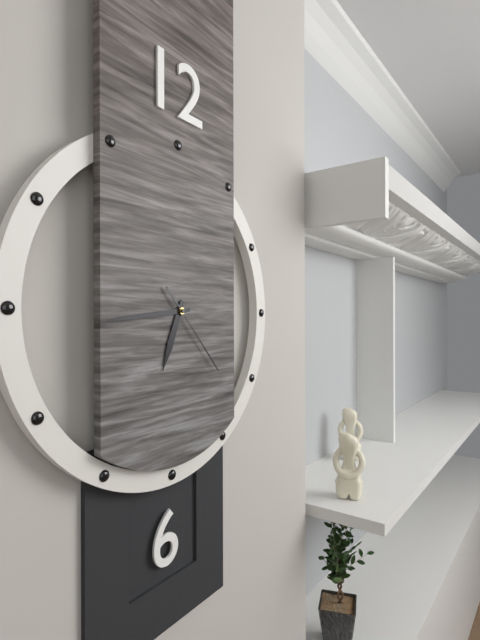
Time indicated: 6:44:23
